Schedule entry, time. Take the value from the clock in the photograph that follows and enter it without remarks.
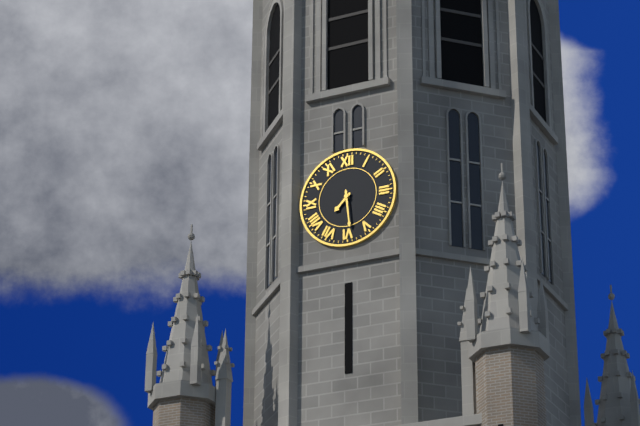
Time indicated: 7:29
